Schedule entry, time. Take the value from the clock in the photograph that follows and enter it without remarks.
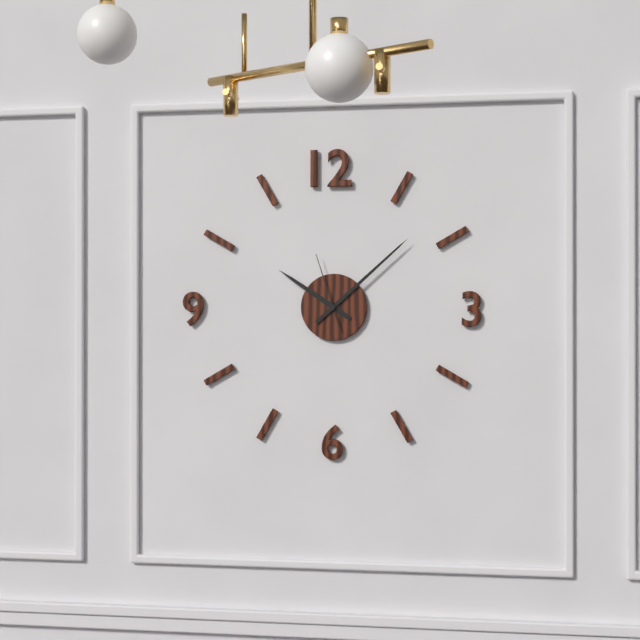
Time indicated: 10:08:57
